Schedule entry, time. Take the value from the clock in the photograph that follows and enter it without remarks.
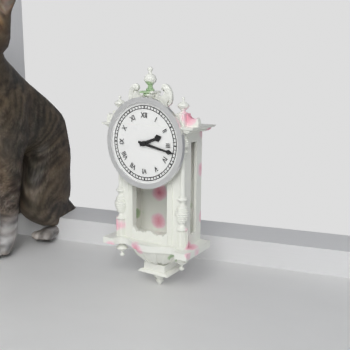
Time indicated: 2:17
